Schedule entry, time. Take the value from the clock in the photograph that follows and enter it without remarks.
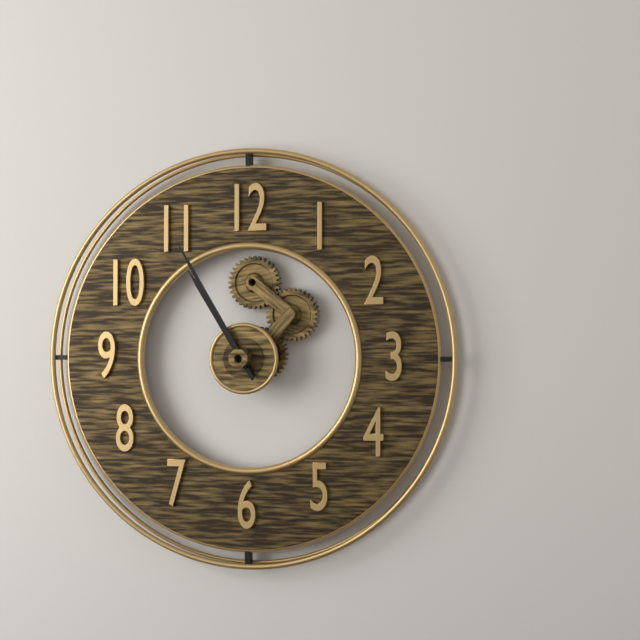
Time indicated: 10:55
